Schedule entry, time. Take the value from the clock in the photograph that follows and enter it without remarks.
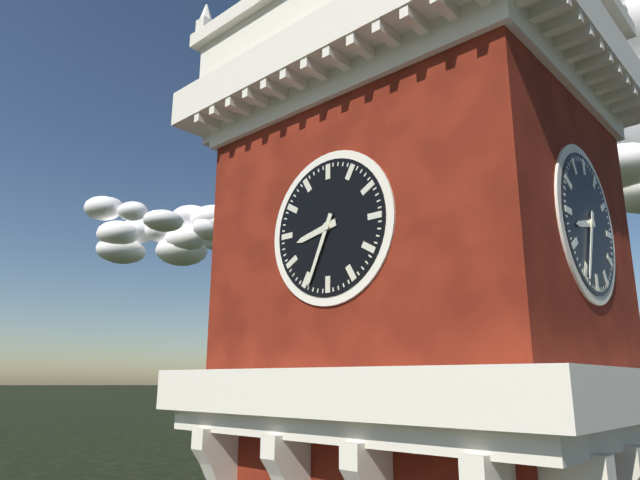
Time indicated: 8:34
